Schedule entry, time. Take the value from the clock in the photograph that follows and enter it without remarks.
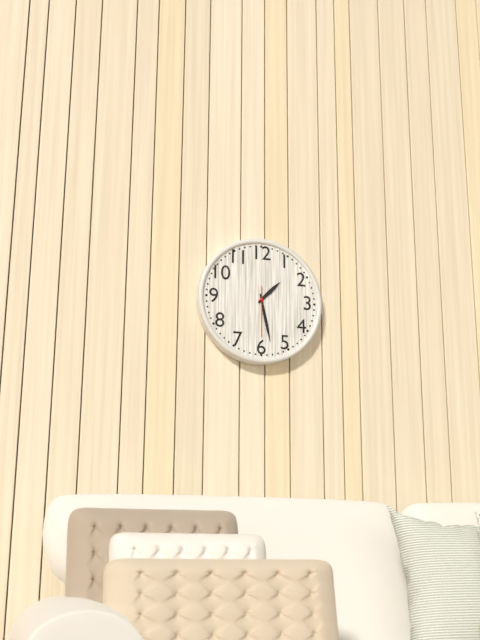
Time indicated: 1:28
